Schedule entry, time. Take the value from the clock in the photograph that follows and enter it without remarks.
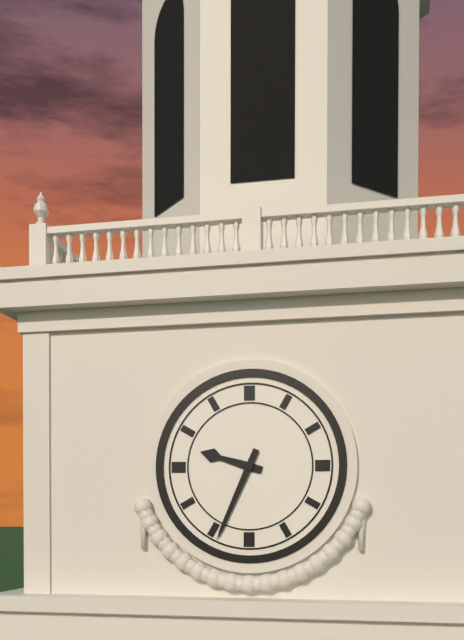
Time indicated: 9:34
